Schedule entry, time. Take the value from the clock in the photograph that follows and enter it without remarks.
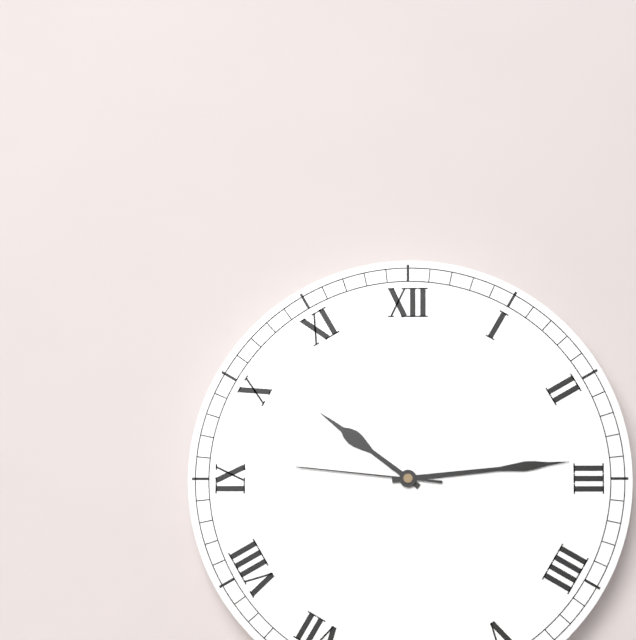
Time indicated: 10:14:46
